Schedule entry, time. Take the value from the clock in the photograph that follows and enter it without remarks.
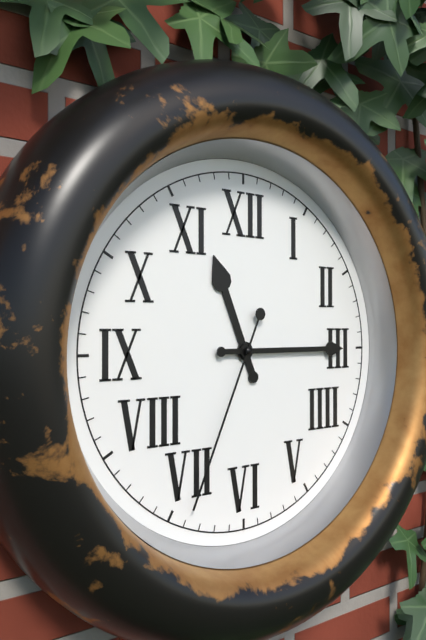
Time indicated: 11:15:34
